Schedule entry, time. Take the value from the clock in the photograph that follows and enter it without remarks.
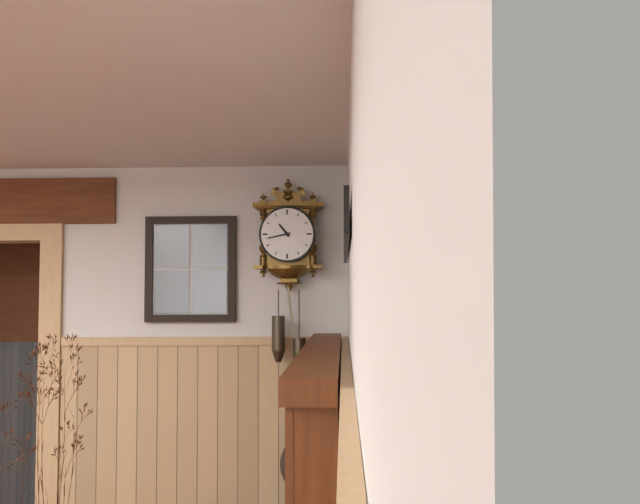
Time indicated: 10:43
